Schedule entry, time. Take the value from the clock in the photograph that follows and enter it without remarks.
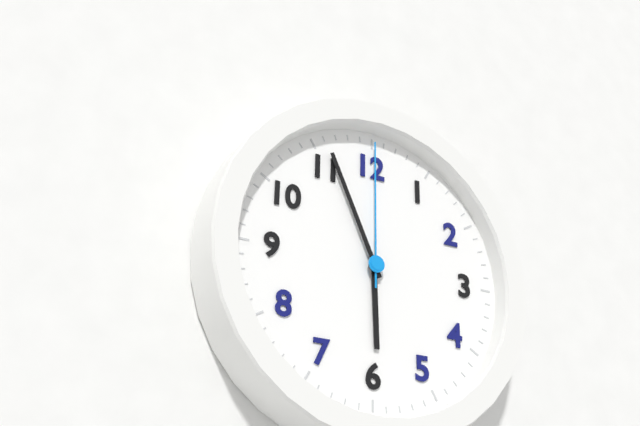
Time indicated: 5:56:00
